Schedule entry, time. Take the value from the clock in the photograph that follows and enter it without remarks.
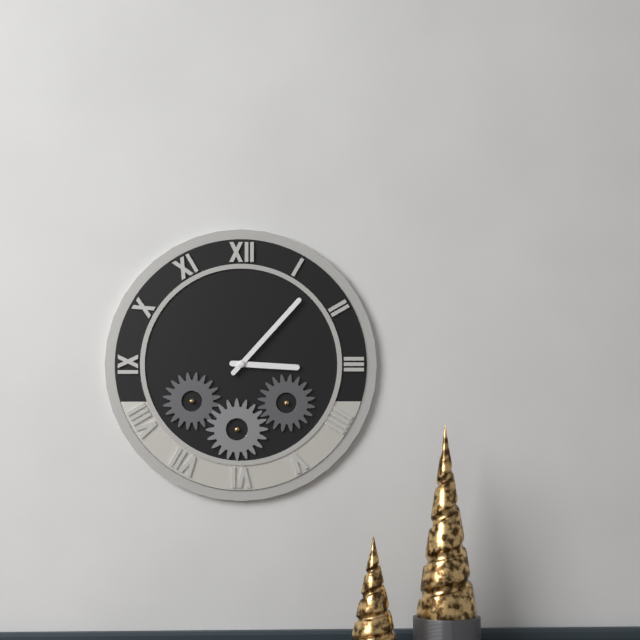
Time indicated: 3:07
